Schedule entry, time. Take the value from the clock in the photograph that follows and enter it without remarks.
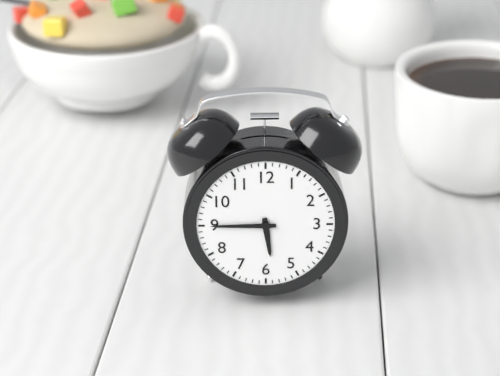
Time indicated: 5:45
